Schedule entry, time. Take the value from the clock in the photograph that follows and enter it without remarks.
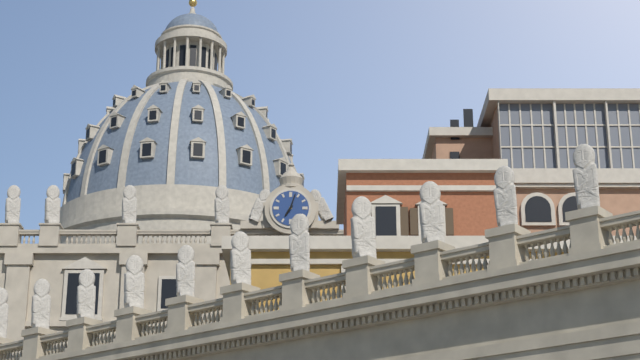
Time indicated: 7:03
